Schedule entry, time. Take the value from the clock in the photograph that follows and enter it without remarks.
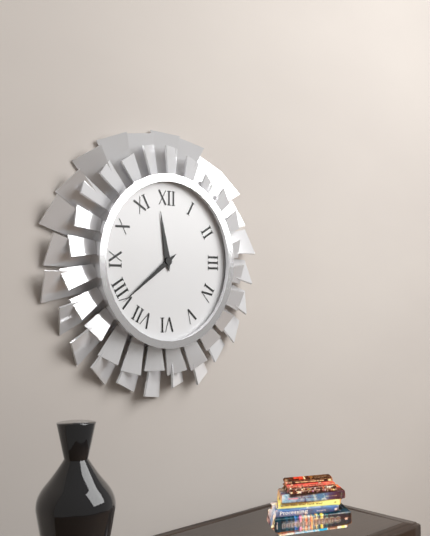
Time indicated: 11:39
